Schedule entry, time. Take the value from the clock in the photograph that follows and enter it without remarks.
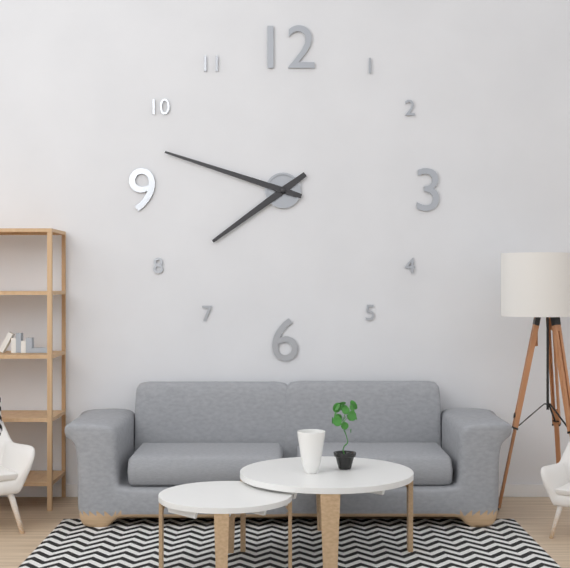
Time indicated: 7:48
